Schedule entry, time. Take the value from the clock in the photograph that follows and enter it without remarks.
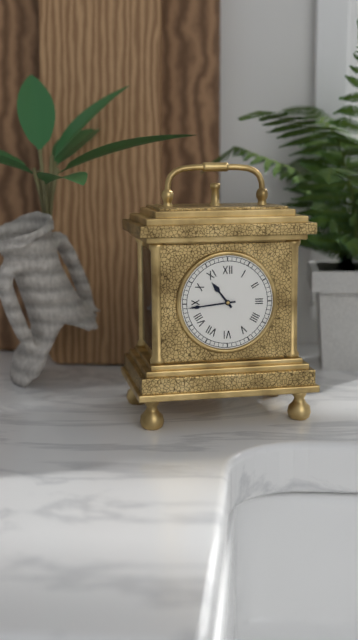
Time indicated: 10:44
